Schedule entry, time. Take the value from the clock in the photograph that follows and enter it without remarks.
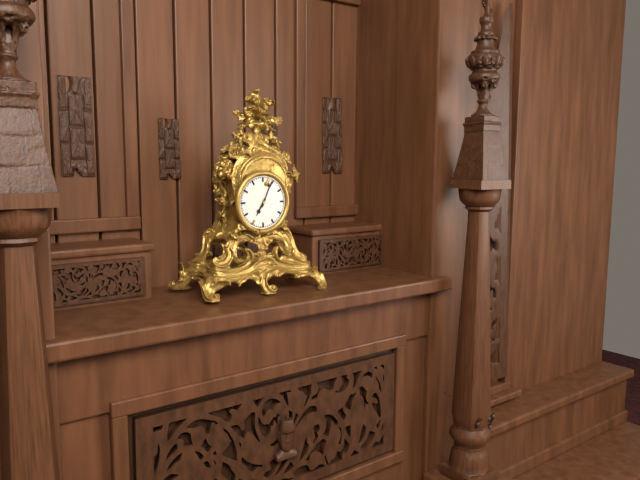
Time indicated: 7:04
